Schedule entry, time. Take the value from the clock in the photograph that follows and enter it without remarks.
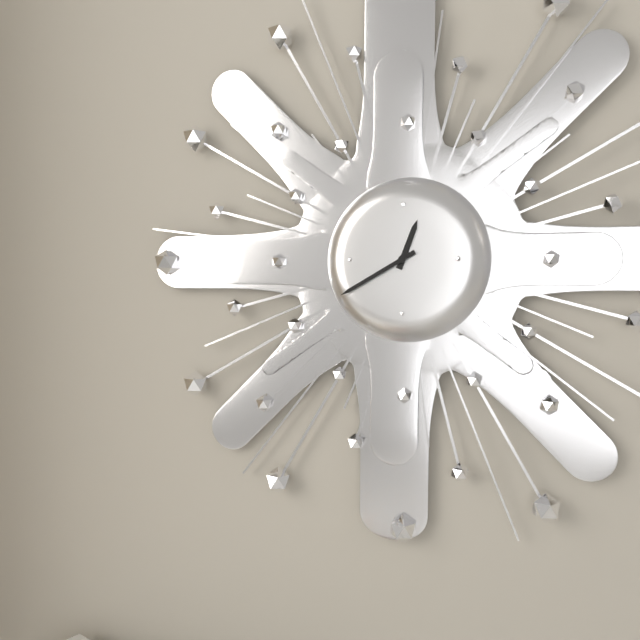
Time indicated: 12:40
